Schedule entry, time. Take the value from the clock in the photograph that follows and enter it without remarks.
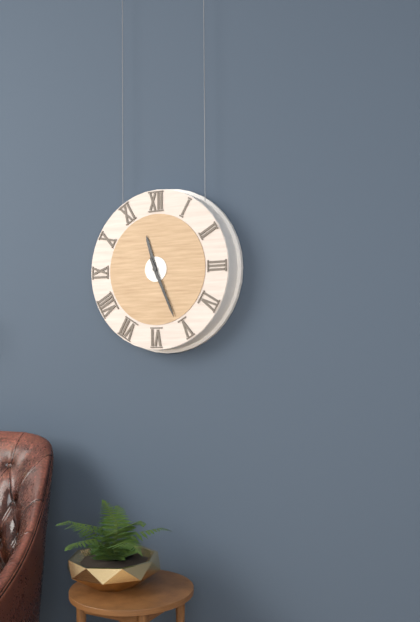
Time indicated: 11:26
